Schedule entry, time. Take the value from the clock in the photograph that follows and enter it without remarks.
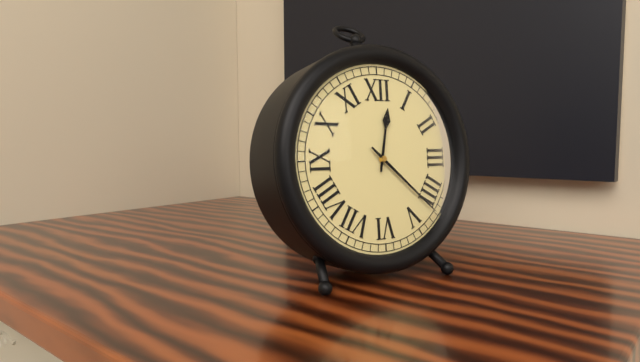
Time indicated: 12:22
